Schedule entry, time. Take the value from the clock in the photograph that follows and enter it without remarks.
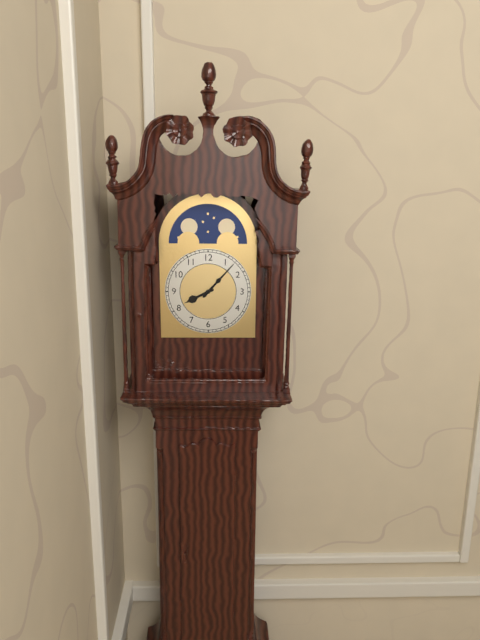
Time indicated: 8:07
